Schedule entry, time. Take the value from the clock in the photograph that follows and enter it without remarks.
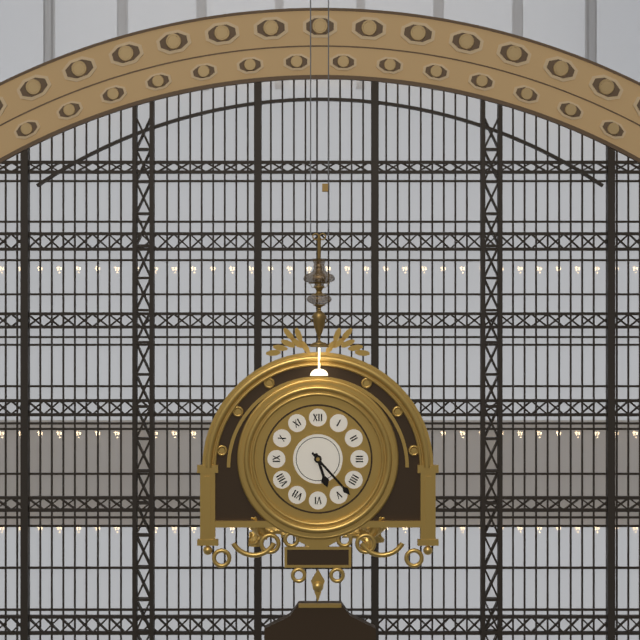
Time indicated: 5:23
